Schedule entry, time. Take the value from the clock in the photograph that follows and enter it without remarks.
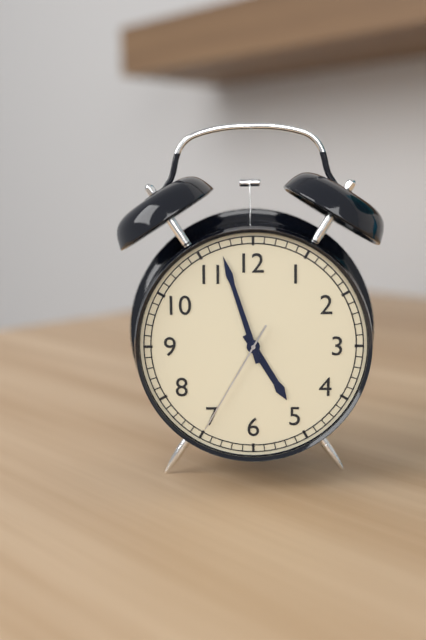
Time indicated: 4:57:35
